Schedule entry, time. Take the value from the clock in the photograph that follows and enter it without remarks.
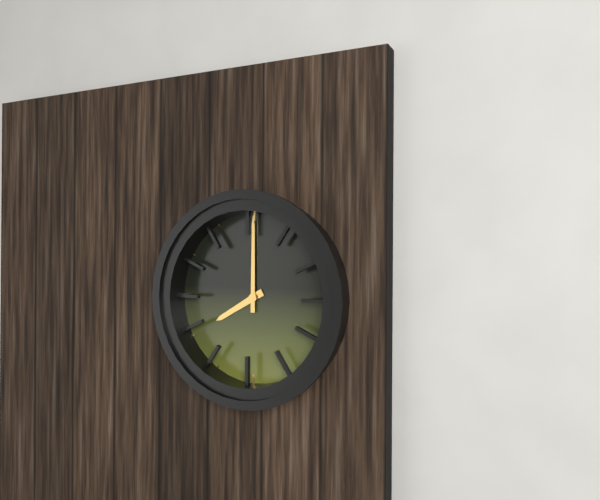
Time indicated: 8:00
